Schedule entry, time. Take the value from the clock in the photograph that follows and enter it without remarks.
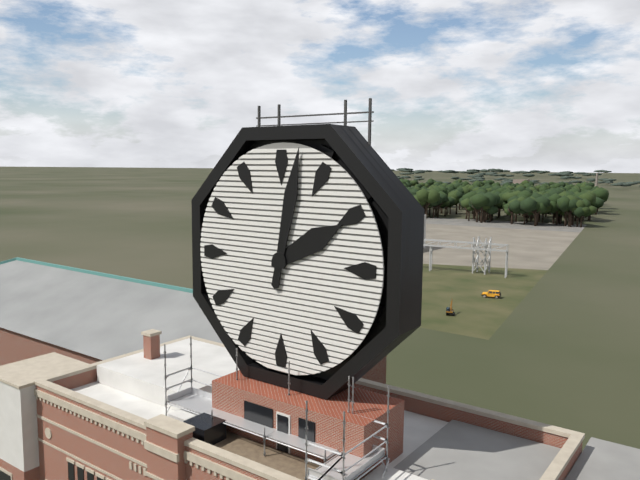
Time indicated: 2:02
